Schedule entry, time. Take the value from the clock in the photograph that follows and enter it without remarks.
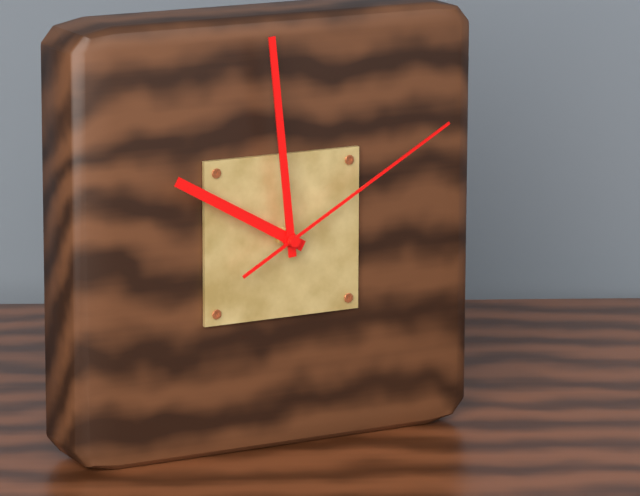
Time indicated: 9:59:10
